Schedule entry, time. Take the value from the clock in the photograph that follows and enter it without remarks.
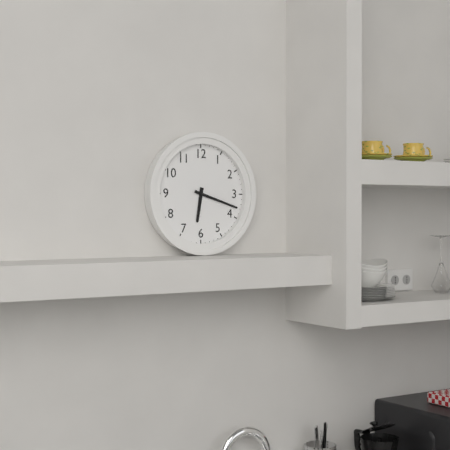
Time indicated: 6:18
